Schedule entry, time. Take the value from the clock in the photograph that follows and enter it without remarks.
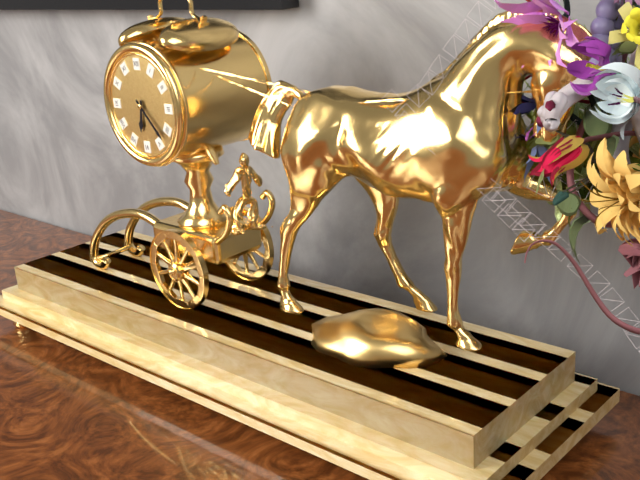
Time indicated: 6:23
